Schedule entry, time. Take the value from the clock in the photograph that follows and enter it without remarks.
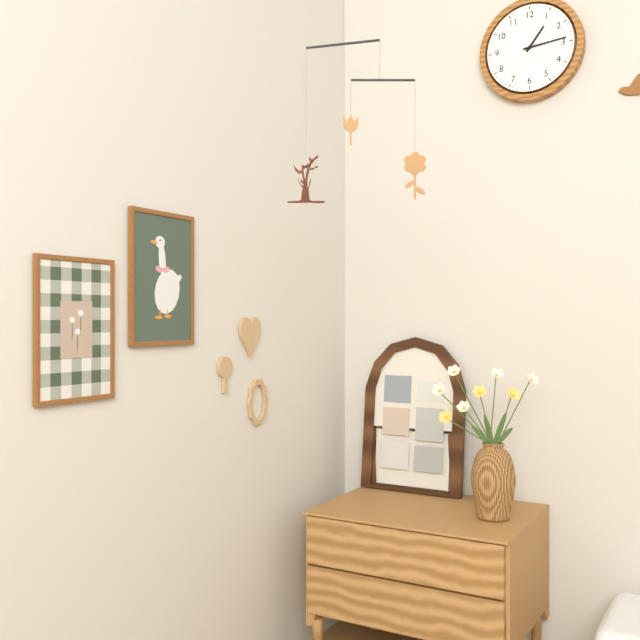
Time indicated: 1:14
